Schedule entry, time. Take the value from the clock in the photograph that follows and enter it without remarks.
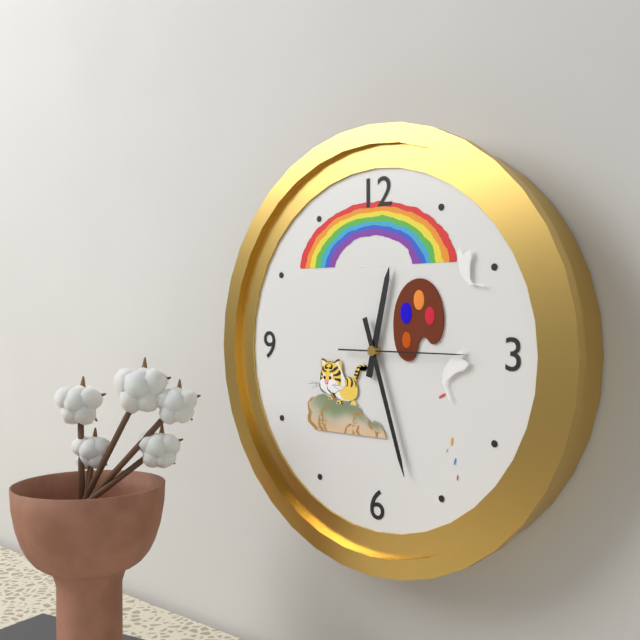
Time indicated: 12:27:15
